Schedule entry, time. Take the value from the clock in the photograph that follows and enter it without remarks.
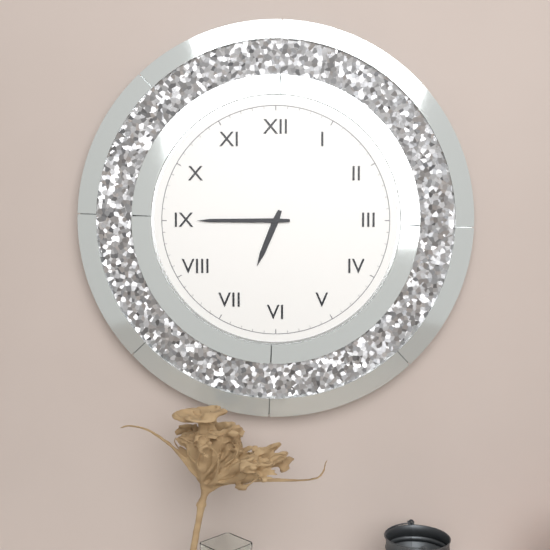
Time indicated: 6:45
